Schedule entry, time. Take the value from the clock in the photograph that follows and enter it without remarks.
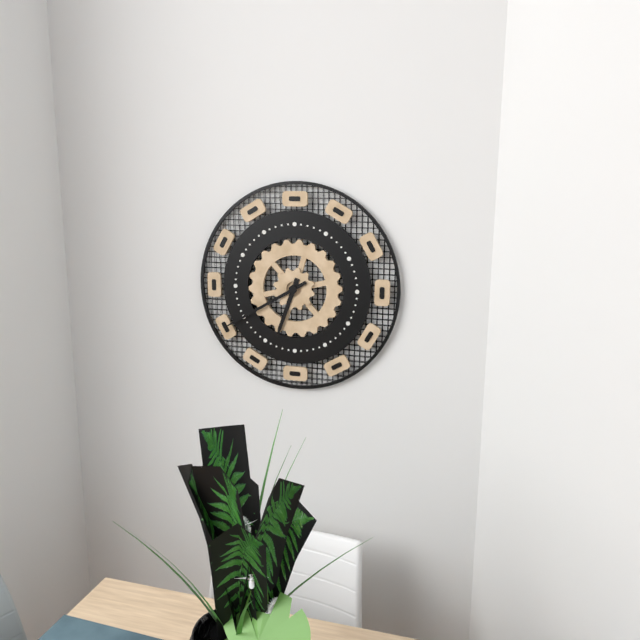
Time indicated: 6:40
